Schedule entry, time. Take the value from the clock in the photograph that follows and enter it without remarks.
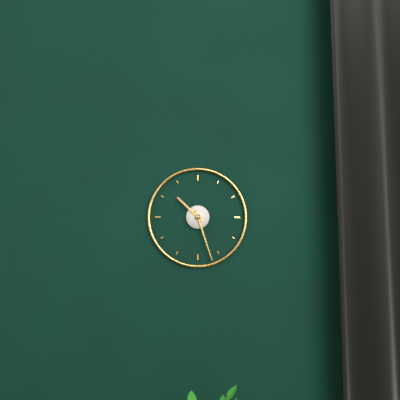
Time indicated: 10:27
